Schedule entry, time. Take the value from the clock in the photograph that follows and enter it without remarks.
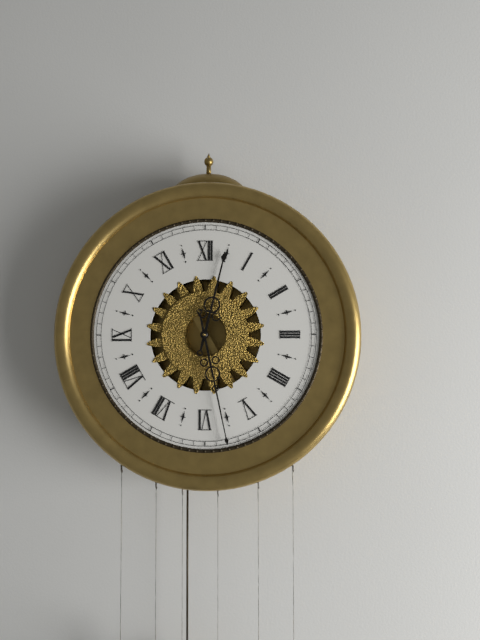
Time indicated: 12:28
